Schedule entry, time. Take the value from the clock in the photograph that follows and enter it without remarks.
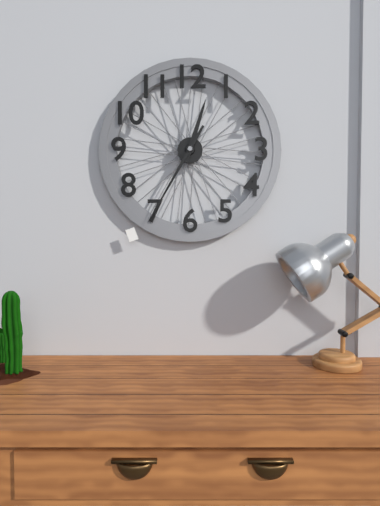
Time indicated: 12:35
